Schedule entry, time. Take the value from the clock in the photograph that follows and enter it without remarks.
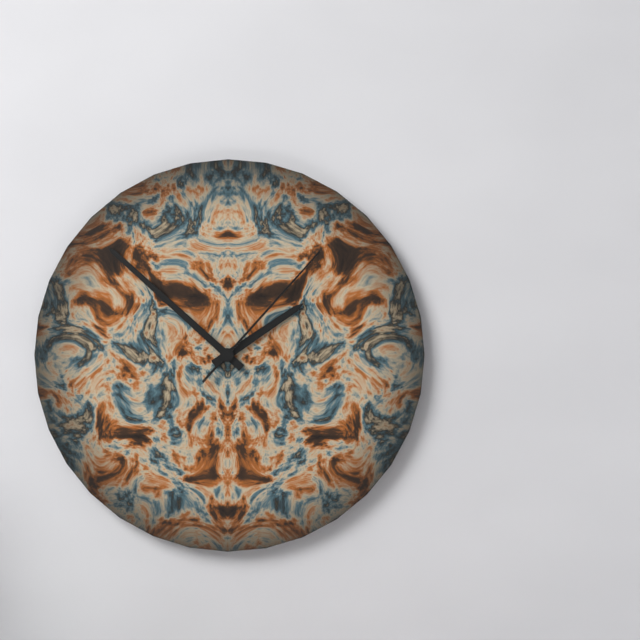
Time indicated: 1:52:07
